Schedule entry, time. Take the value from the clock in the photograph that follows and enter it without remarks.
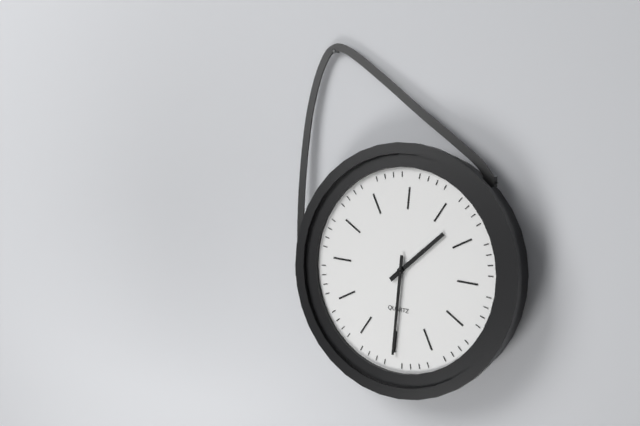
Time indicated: 1:30
